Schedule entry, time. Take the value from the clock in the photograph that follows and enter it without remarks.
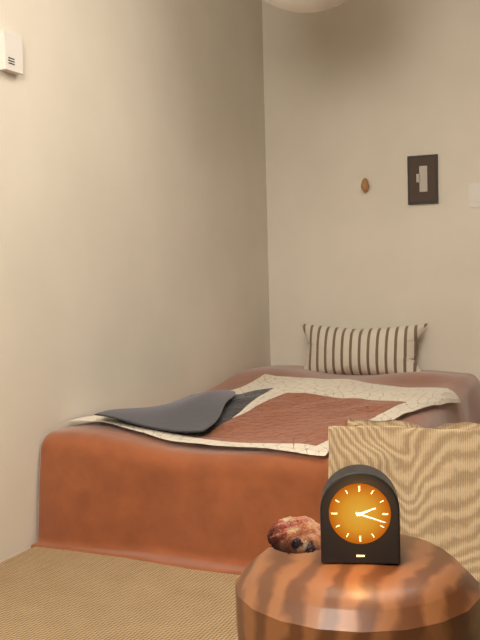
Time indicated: 2:18
